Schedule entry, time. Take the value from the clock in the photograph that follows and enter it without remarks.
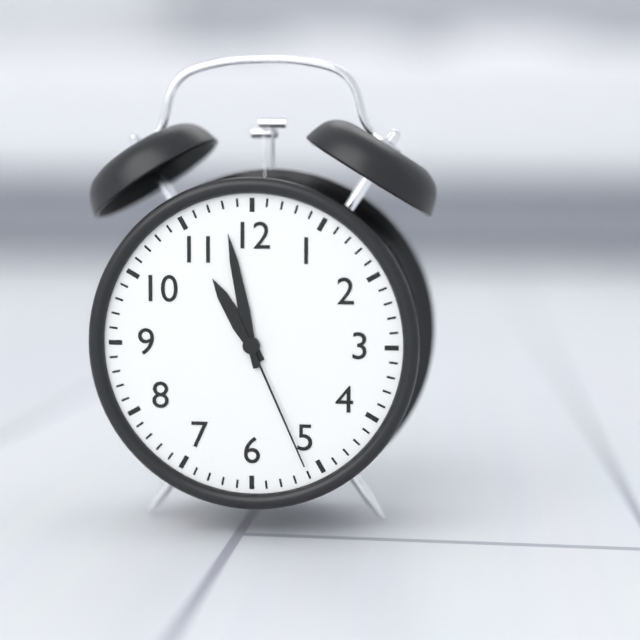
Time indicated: 10:58:26
